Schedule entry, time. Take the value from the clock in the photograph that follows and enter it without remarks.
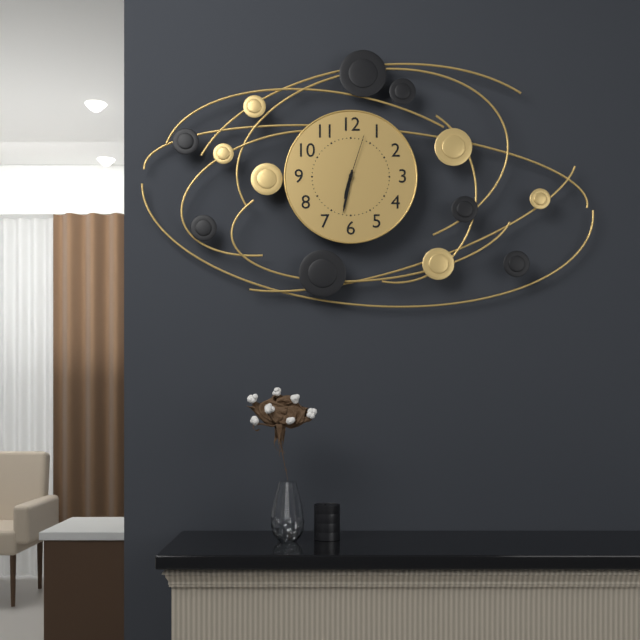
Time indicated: 6:32:03
